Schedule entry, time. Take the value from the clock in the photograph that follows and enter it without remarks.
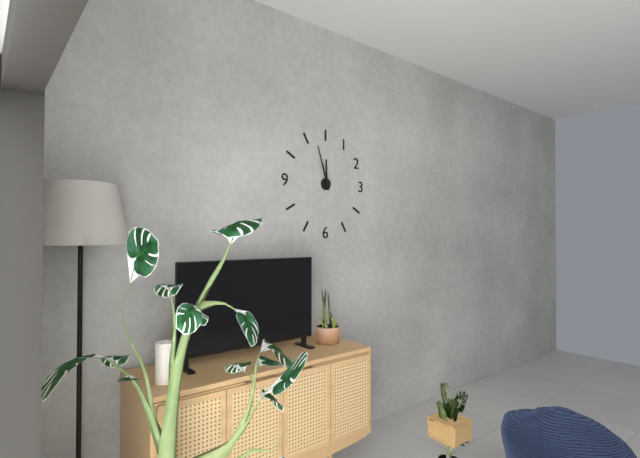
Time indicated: 11:57
